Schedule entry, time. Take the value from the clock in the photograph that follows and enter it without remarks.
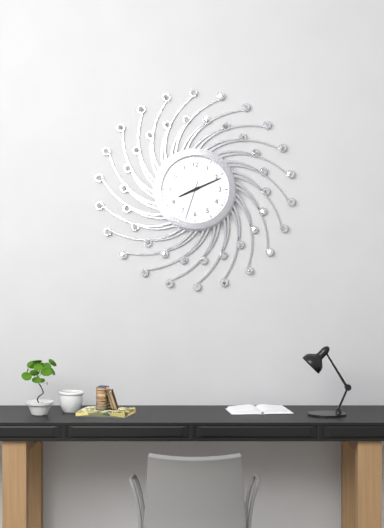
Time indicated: 8:11
